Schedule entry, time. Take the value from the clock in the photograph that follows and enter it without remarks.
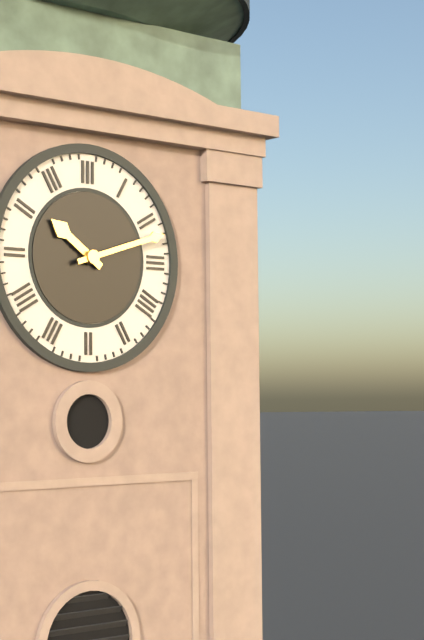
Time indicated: 10:12
